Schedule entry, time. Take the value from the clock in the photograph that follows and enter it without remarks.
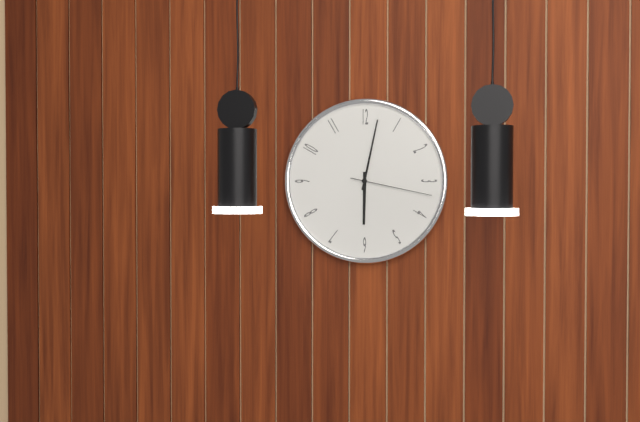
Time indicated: 6:02:17
